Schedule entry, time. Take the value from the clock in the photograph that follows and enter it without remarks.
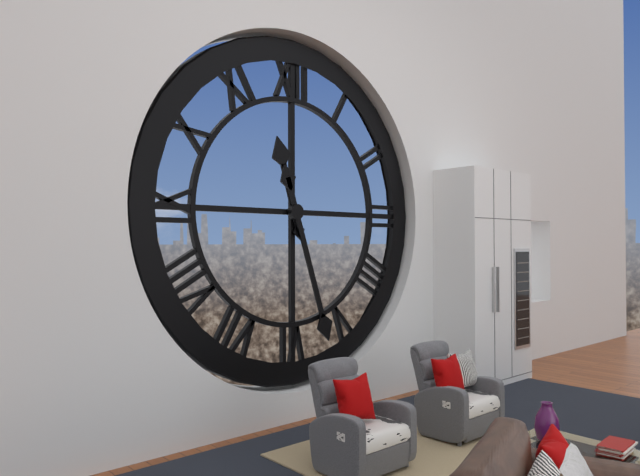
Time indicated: 11:27
